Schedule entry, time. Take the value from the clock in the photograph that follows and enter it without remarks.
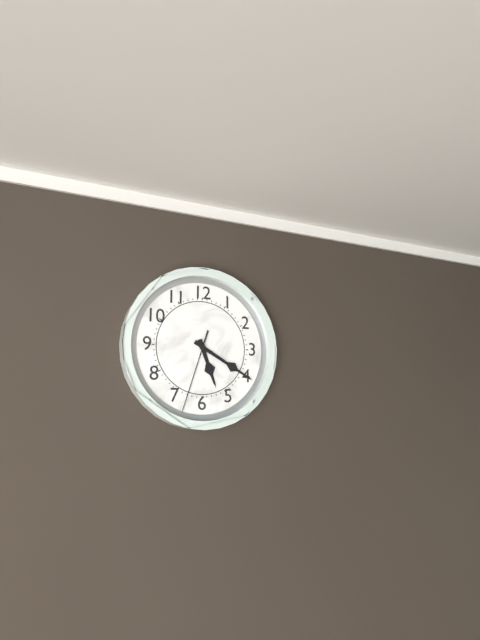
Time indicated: 5:20:33
